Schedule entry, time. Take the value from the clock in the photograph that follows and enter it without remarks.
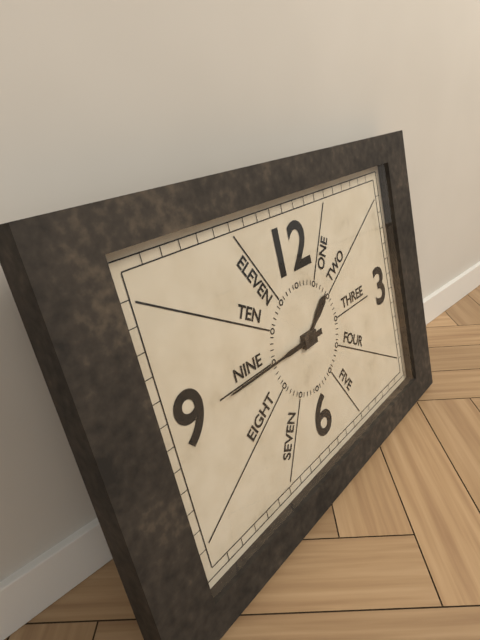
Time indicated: 1:45
